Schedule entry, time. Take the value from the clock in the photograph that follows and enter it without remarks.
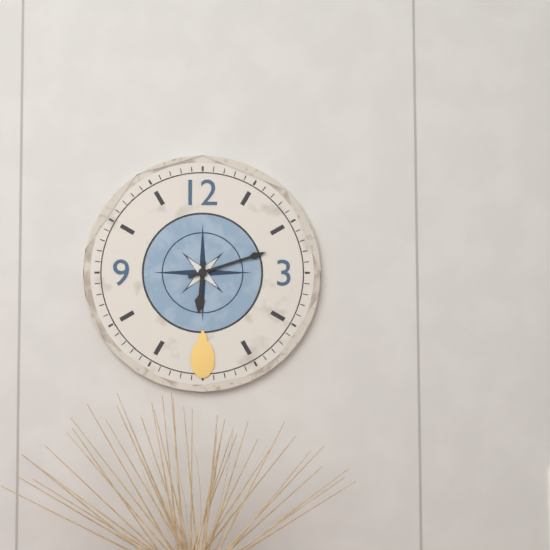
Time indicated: 6:12
